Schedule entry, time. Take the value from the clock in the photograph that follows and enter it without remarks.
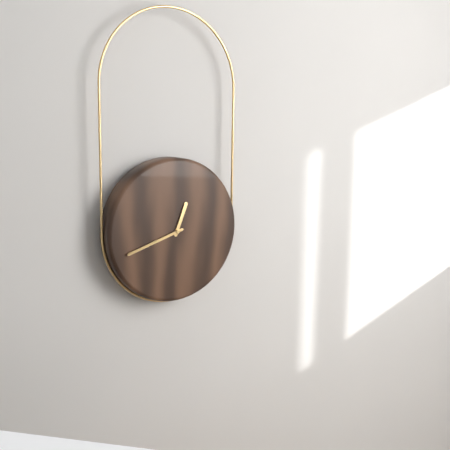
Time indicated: 12:42
